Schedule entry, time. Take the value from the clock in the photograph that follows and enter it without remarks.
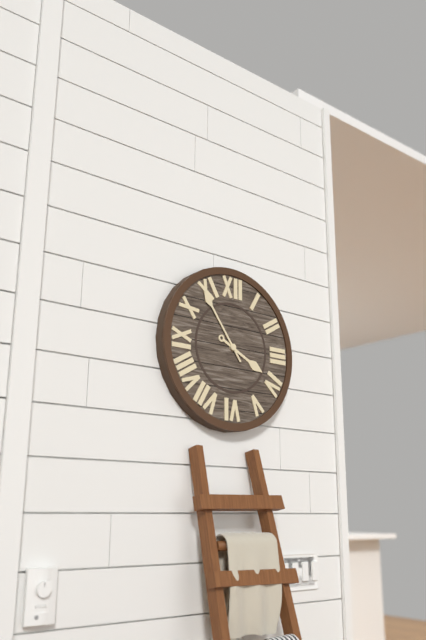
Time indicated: 3:54
